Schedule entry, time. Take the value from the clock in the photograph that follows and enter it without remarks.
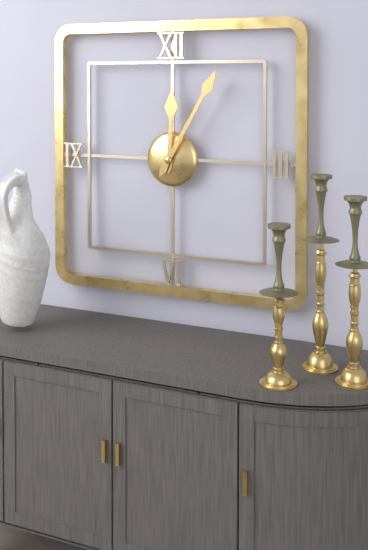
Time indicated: 12:05
